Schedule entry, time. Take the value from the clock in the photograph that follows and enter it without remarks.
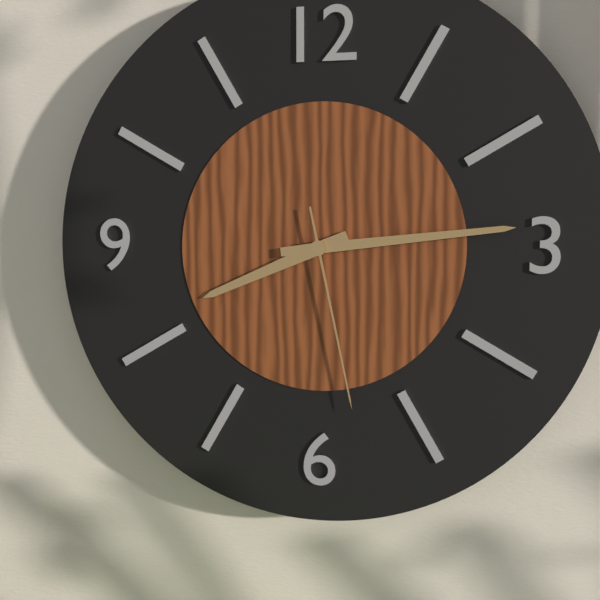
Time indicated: 8:14:28
